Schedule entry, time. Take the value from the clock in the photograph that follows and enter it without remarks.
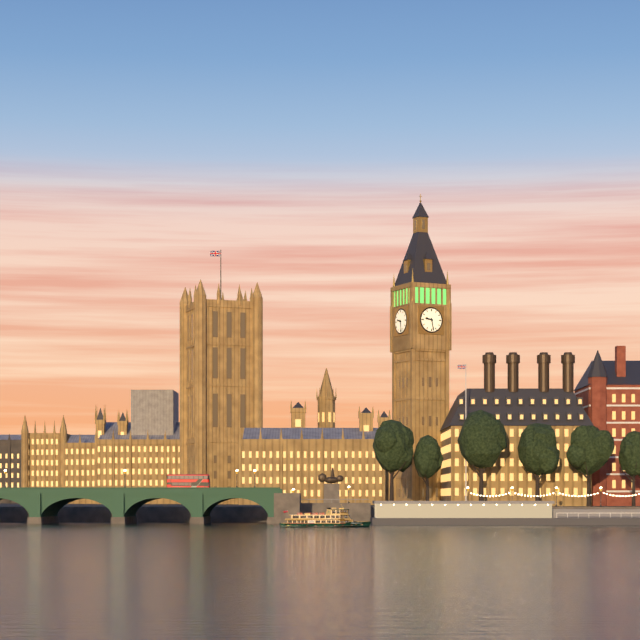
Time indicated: 9:28
